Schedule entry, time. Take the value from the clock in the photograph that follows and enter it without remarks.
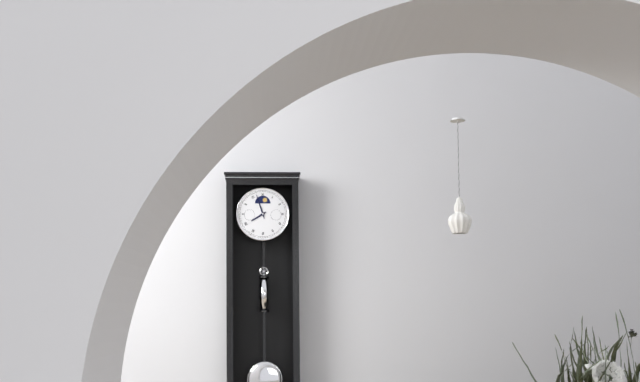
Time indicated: 7:57
